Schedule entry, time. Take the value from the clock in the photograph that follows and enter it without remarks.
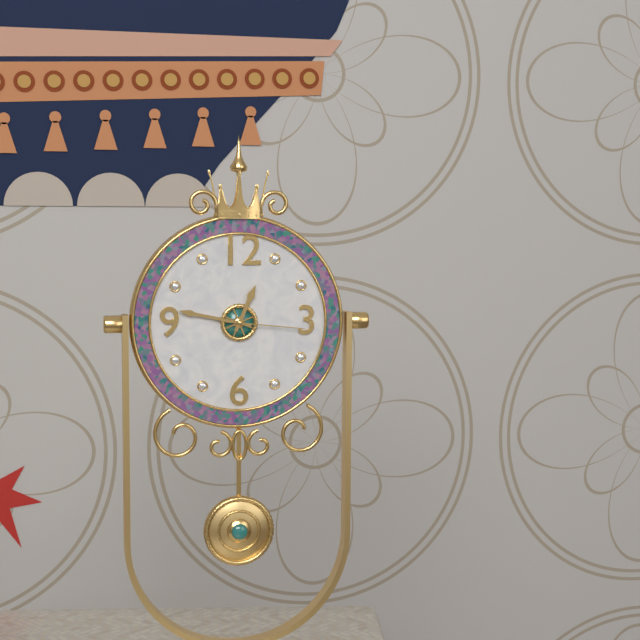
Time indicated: 12:47:16
